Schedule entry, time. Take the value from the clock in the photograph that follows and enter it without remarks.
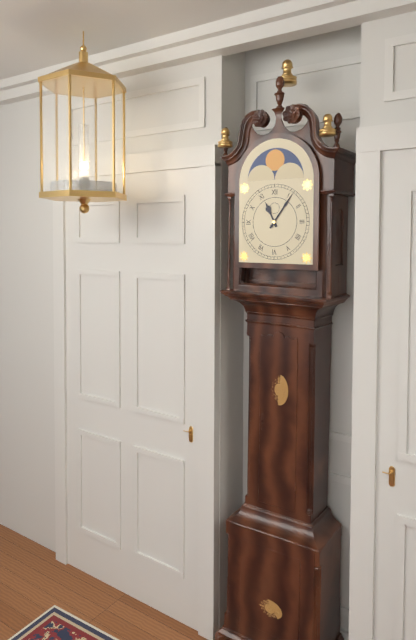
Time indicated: 11:06
